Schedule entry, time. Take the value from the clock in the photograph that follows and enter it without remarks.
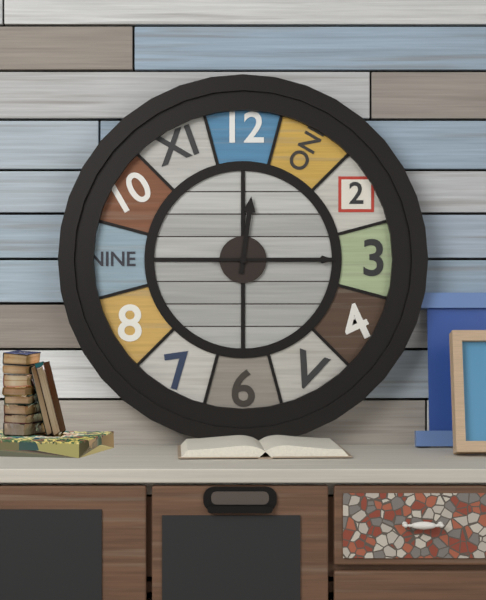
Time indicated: 12:15
